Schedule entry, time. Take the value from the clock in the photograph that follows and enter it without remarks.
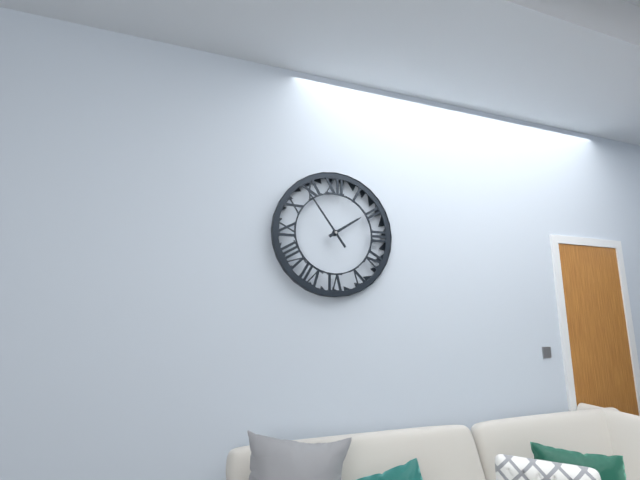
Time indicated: 1:54
